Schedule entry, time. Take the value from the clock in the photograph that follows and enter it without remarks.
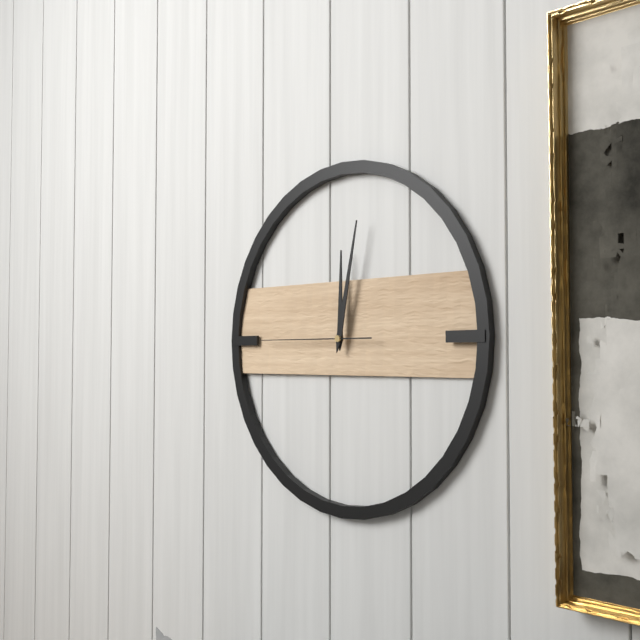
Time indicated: 12:02:45
